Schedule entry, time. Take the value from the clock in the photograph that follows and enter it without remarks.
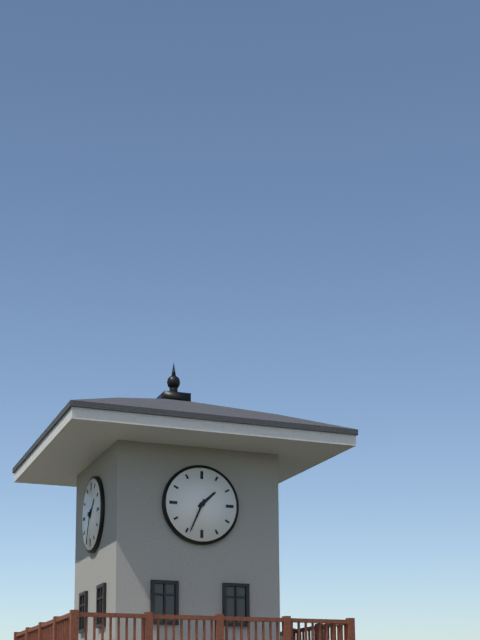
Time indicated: 1:34
